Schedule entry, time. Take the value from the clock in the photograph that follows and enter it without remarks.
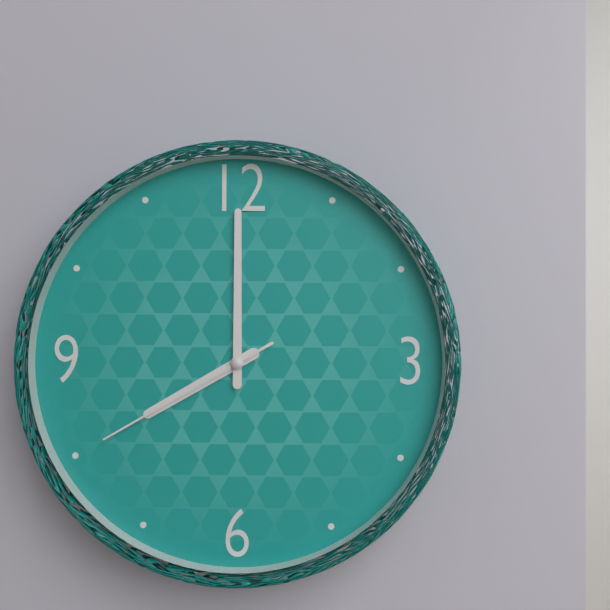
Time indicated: 8:00:40
